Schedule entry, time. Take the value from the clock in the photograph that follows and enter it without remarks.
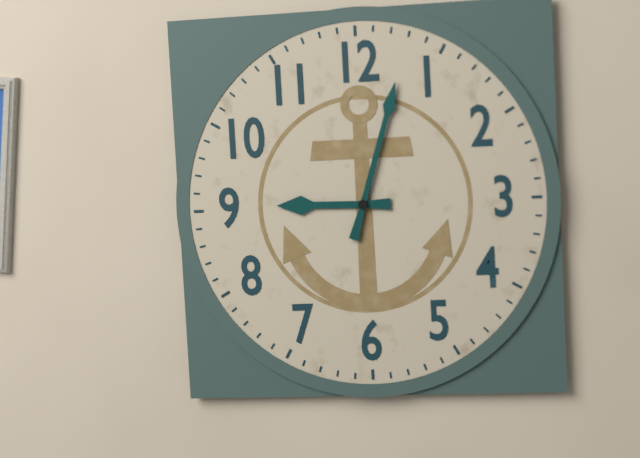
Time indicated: 9:03
